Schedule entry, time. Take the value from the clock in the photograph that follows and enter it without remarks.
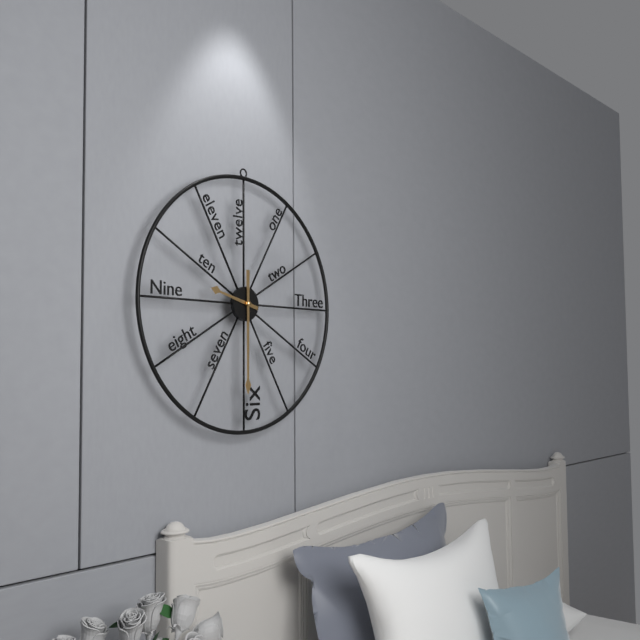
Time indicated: 9:30
